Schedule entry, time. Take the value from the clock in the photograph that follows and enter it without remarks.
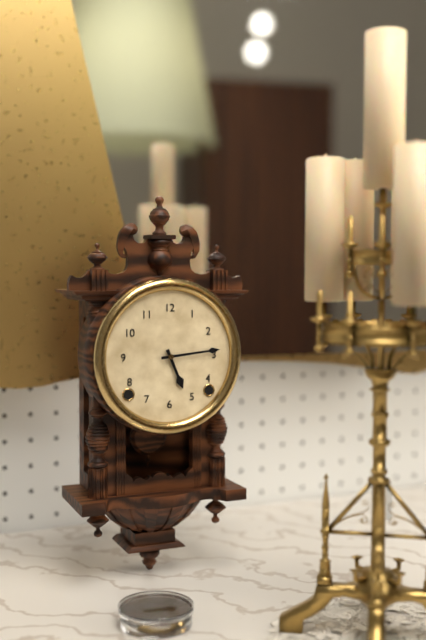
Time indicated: 5:14
